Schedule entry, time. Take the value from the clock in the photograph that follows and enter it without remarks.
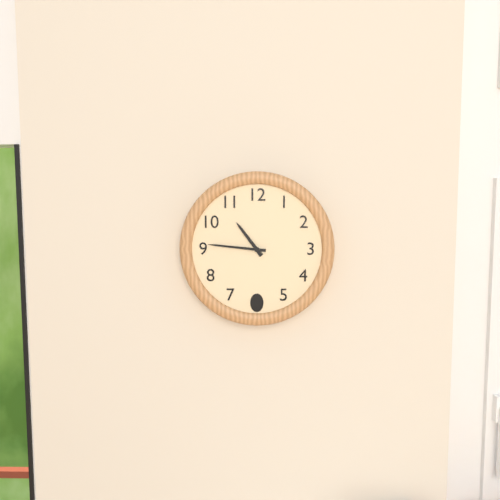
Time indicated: 10:46
